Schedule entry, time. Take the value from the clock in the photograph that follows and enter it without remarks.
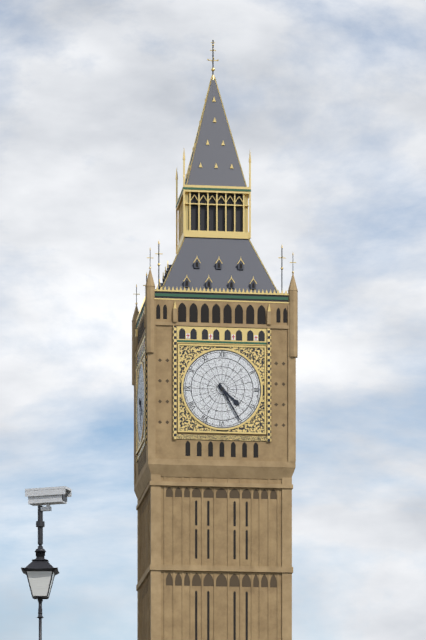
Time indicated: 4:25
